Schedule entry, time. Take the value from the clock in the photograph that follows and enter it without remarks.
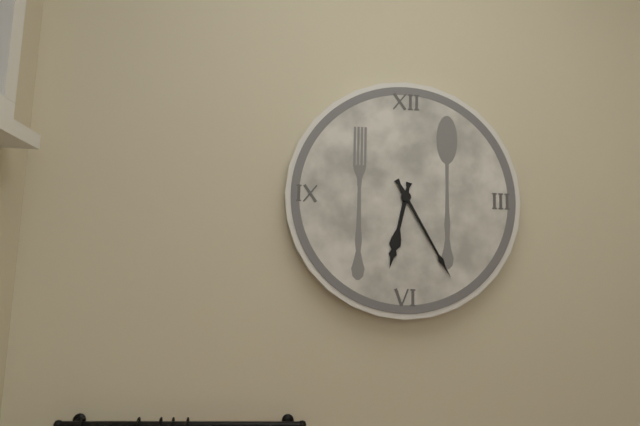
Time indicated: 6:25
